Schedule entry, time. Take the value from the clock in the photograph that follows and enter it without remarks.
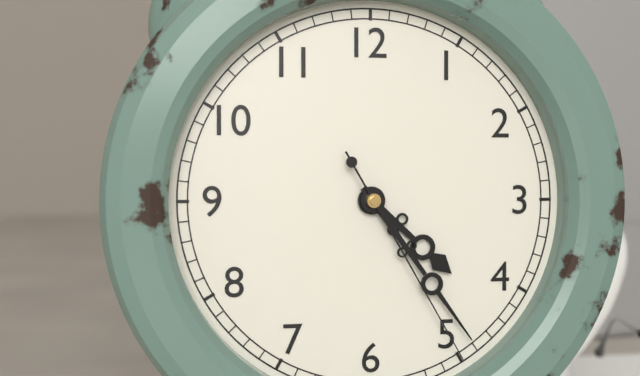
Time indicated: 4:24:25
